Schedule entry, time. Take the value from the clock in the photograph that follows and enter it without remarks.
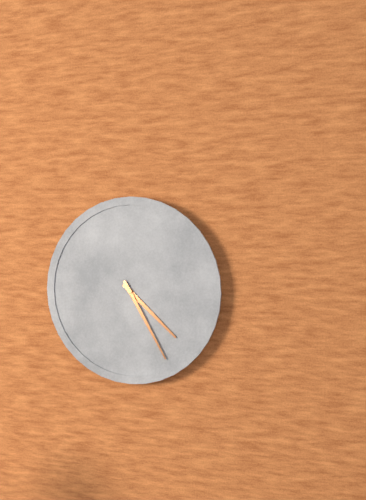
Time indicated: 4:25
